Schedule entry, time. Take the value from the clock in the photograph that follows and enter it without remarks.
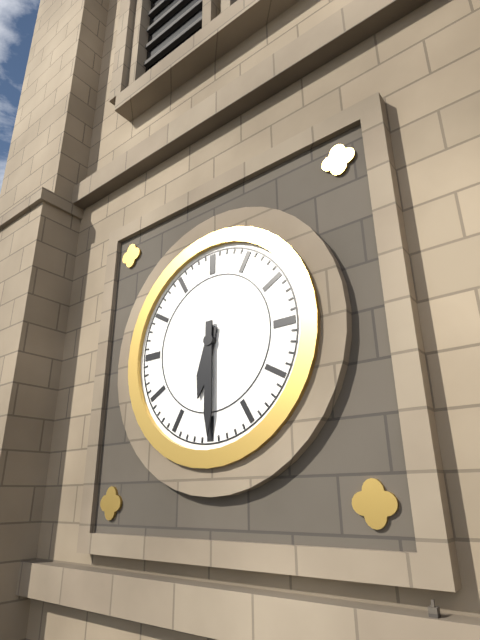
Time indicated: 6:30
